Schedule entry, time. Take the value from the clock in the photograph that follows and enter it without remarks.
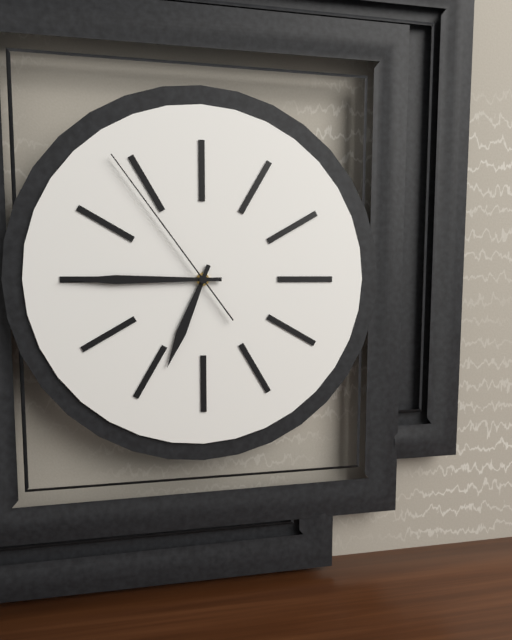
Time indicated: 6:45:54
